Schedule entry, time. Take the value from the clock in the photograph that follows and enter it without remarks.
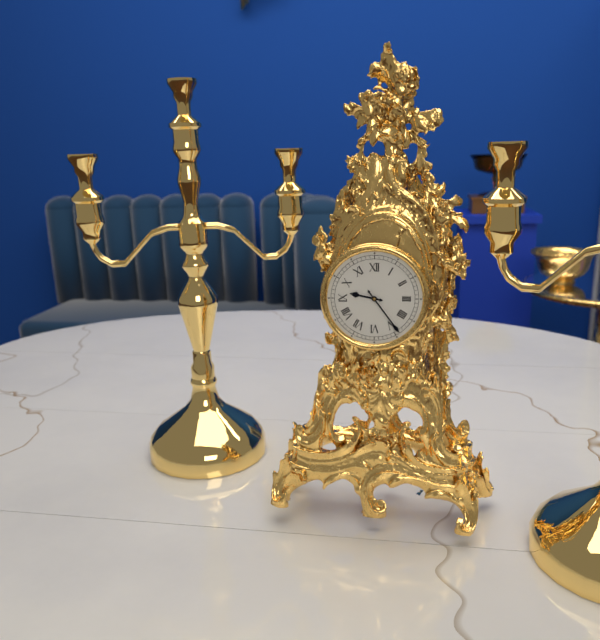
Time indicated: 9:24
